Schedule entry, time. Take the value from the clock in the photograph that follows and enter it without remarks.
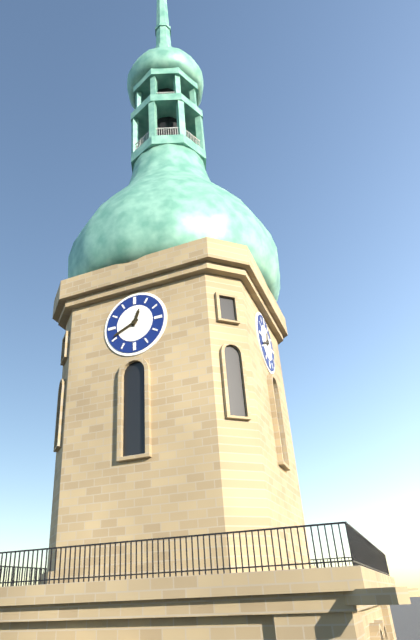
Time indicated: 12:41
